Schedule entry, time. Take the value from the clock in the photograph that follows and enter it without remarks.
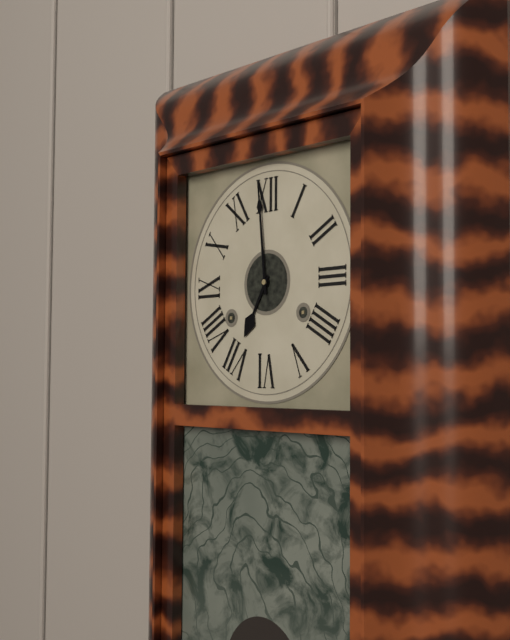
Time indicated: 6:59
